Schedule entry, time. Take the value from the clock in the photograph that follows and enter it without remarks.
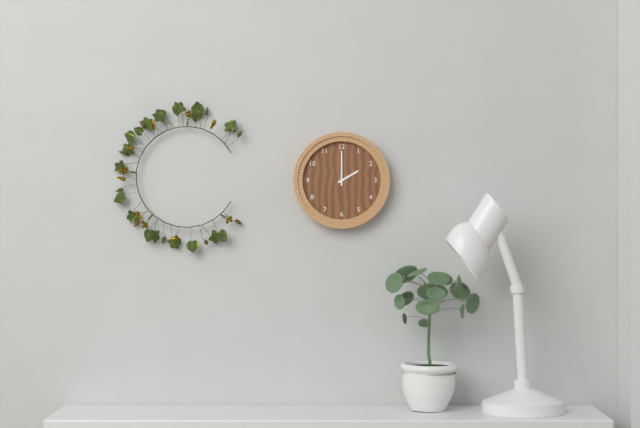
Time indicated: 2:00
